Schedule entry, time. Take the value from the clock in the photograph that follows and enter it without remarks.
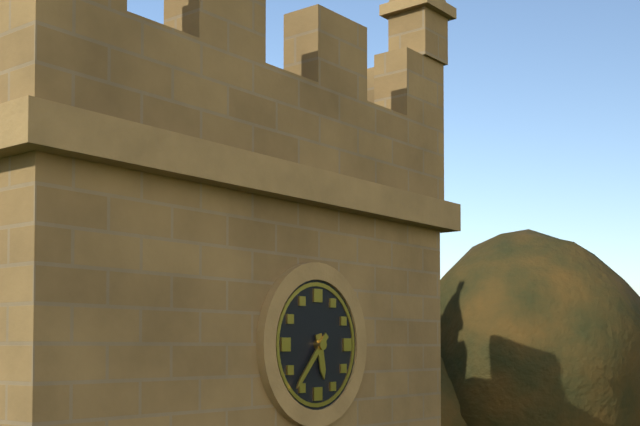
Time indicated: 5:37
